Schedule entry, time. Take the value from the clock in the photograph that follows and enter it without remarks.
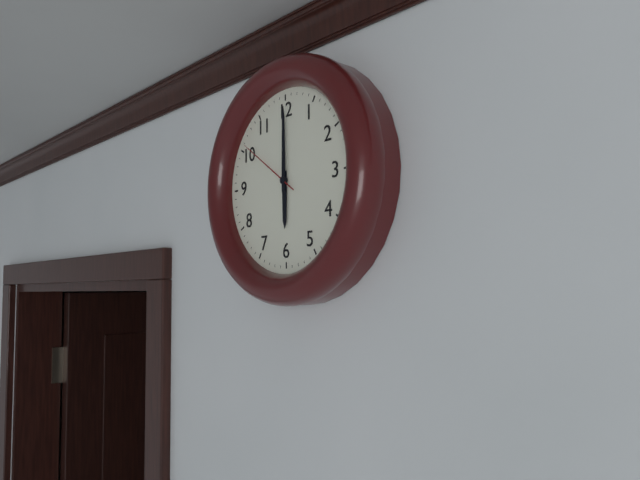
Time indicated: 6:00:51
